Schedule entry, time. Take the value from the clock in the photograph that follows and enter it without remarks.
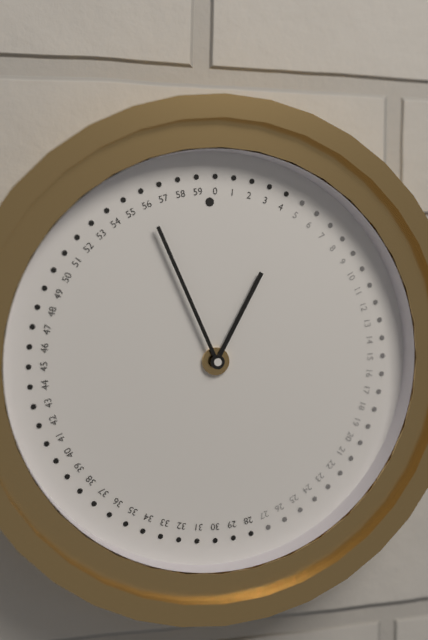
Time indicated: 12:56
